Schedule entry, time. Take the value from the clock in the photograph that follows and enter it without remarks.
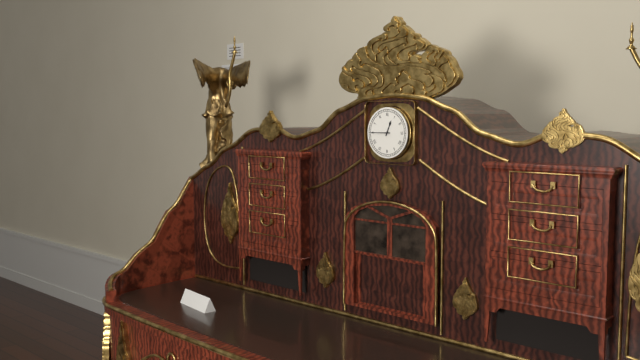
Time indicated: 12:45
